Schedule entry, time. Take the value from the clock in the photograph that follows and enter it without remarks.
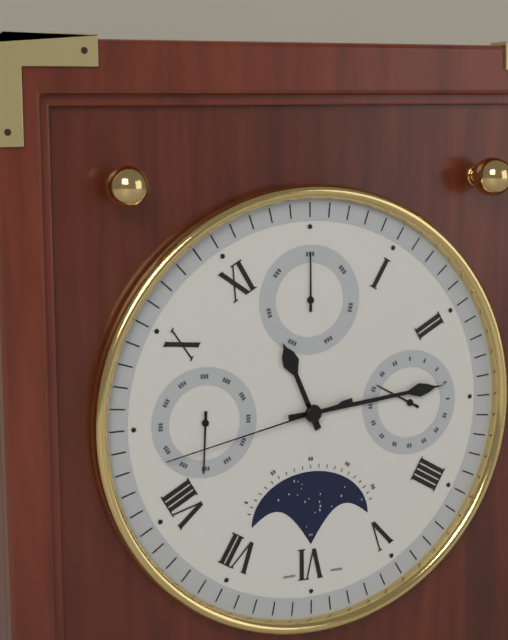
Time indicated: 11:14:43
